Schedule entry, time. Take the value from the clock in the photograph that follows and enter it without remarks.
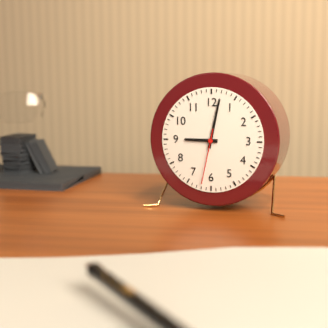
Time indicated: 9:02:32
